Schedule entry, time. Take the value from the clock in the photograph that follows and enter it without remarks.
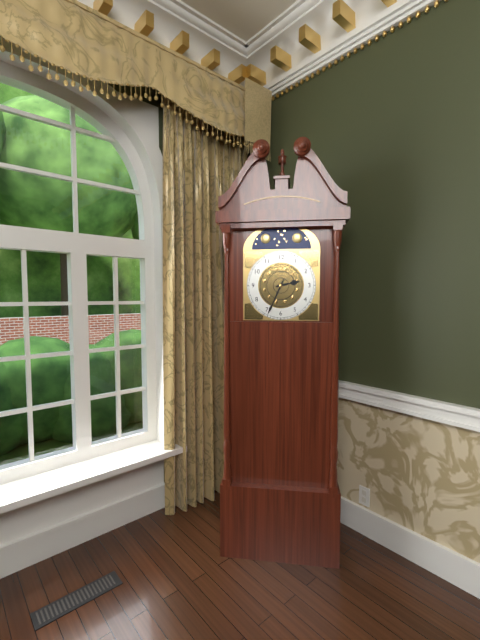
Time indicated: 2:34
